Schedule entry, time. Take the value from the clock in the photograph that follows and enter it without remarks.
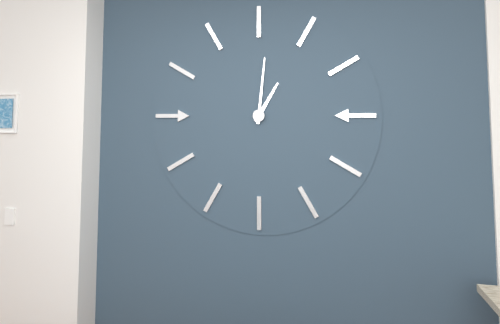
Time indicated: 1:01
